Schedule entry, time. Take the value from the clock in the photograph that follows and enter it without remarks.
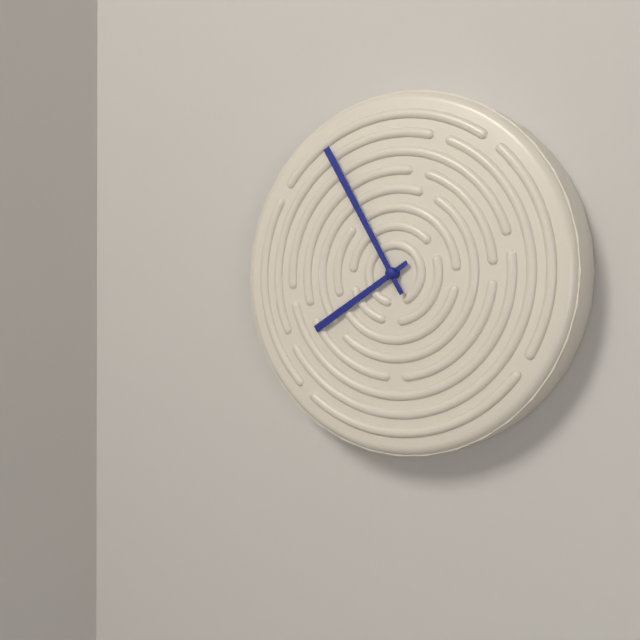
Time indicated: 7:55
